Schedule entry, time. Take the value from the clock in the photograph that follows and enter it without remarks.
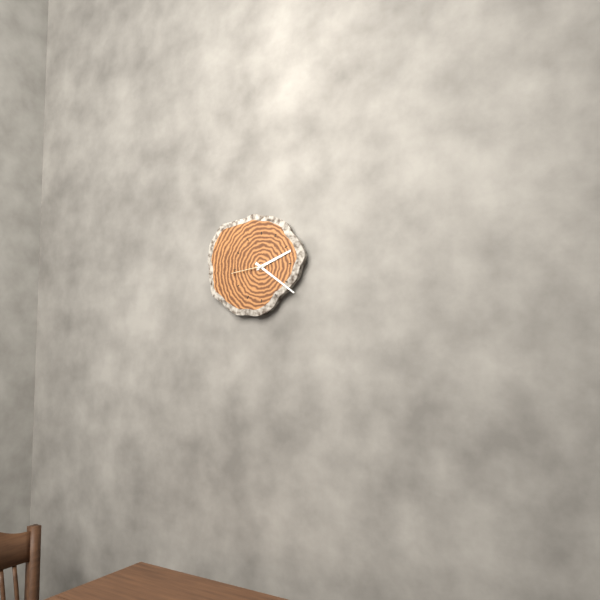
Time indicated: 2:21
